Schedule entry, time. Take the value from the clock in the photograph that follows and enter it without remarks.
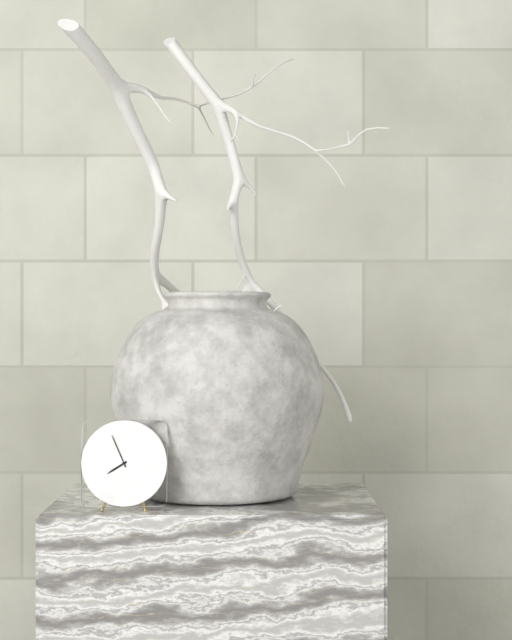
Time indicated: 7:56
